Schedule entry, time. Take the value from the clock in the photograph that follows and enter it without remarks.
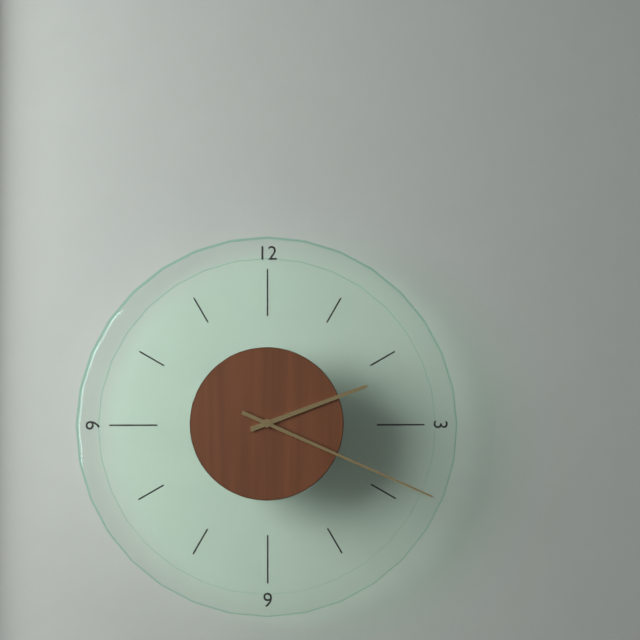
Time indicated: 2:19
